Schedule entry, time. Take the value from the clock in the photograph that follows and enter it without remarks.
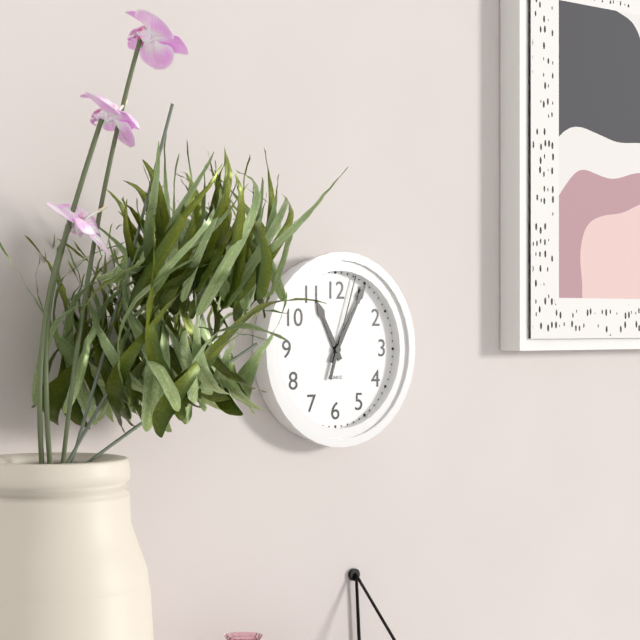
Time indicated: 11:05:03
